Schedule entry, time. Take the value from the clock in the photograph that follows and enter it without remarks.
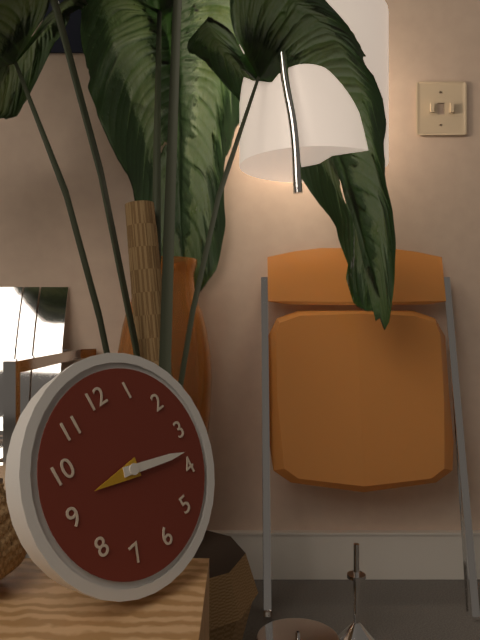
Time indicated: 9:18
